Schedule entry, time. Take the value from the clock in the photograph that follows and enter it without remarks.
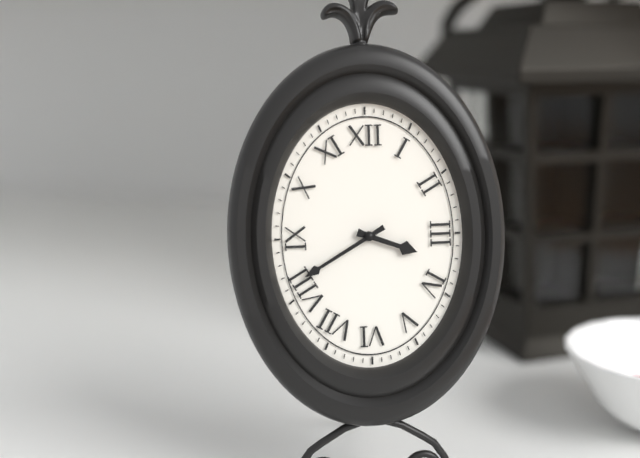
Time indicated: 3:40
